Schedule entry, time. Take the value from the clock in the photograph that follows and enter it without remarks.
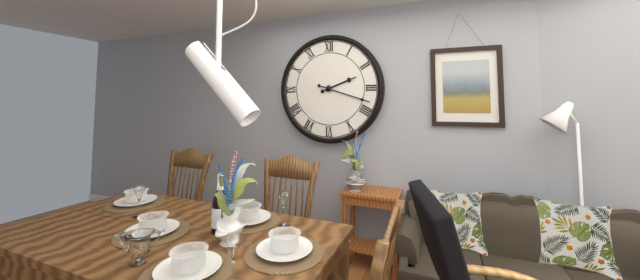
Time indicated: 2:18
